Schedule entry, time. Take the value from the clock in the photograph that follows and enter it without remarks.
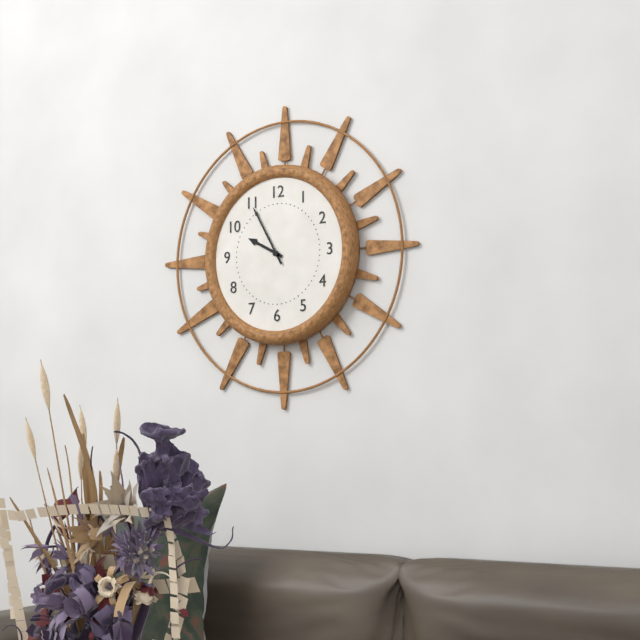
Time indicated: 9:55
